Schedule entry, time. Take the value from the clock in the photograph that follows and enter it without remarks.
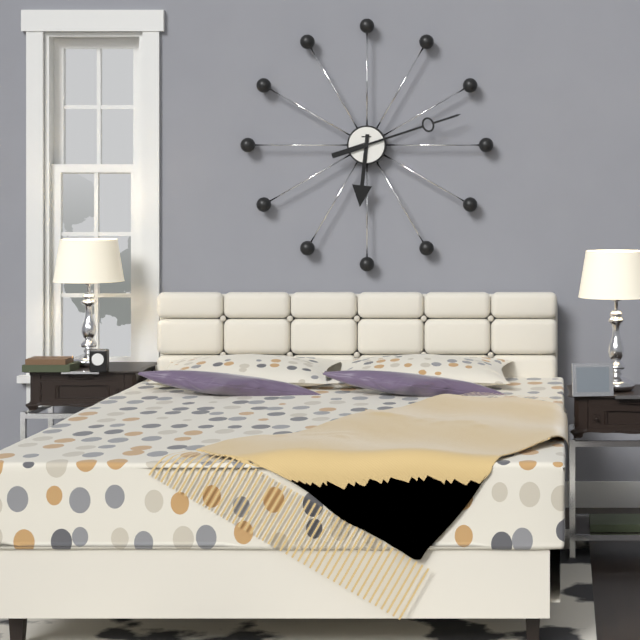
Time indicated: 6:12
